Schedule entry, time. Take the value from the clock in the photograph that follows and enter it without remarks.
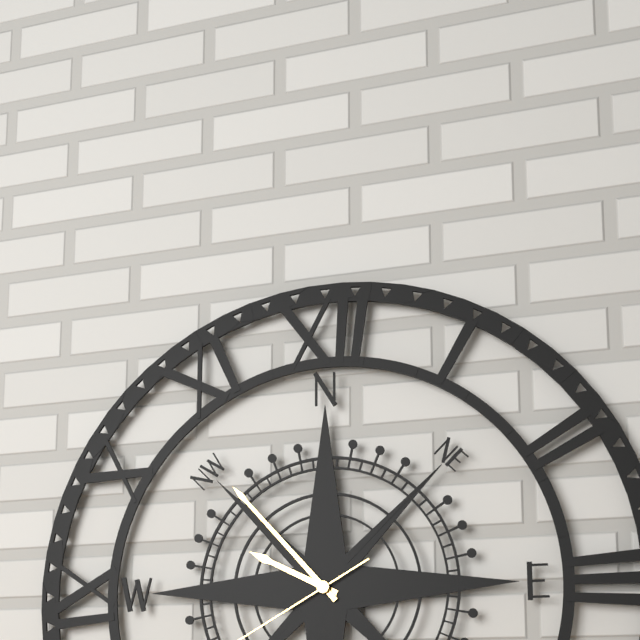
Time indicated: 9:53
